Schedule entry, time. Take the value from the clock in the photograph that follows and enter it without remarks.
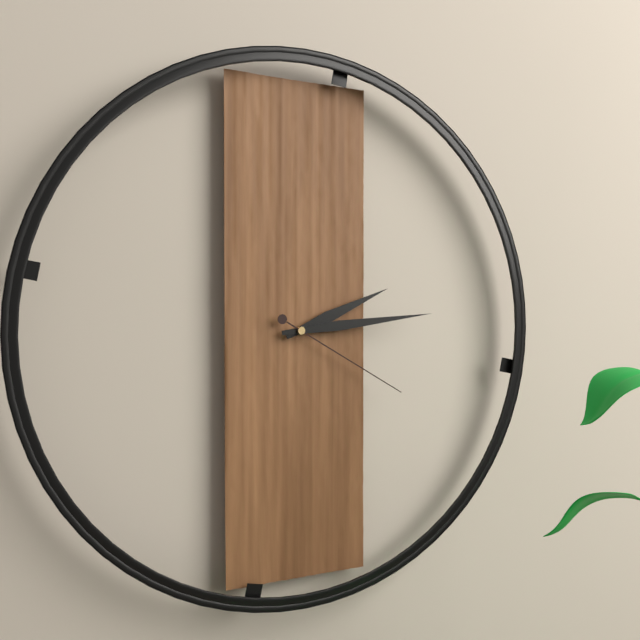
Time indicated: 2:14:20
